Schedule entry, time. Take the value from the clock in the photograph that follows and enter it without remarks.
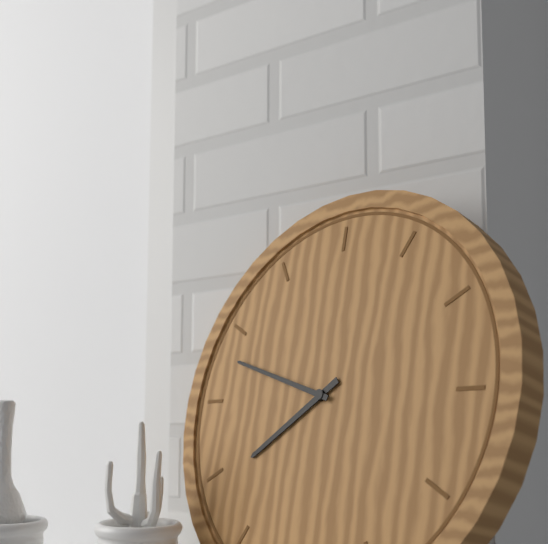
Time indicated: 7:48
